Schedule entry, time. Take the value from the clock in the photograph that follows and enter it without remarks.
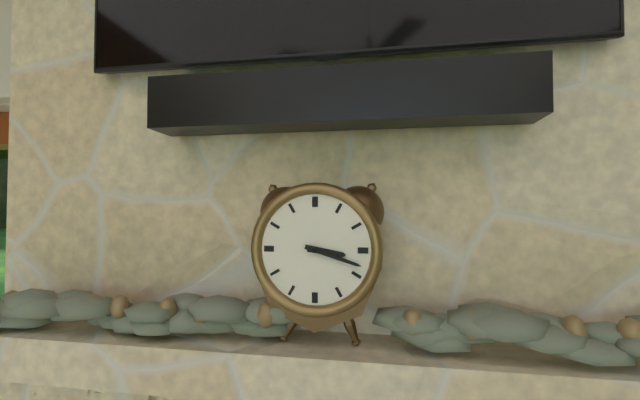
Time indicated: 3:18
